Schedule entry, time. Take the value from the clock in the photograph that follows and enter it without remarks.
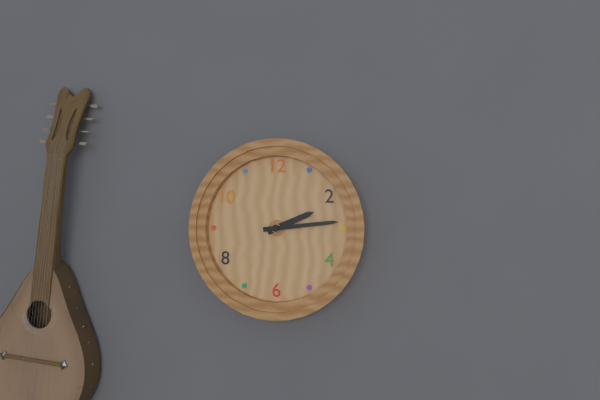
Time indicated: 2:14
